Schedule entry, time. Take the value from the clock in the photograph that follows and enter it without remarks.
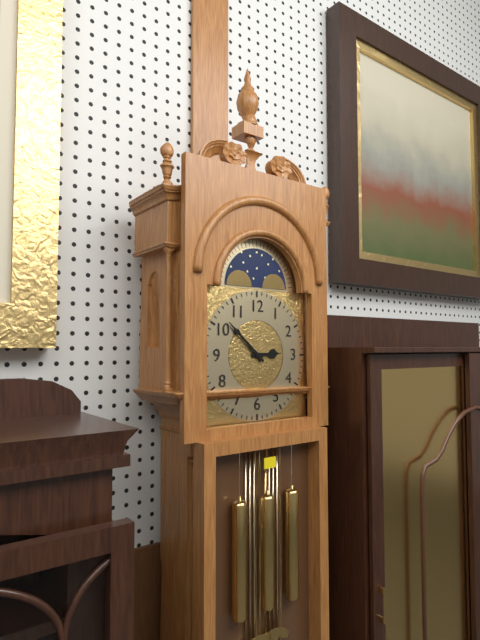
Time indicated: 2:52
